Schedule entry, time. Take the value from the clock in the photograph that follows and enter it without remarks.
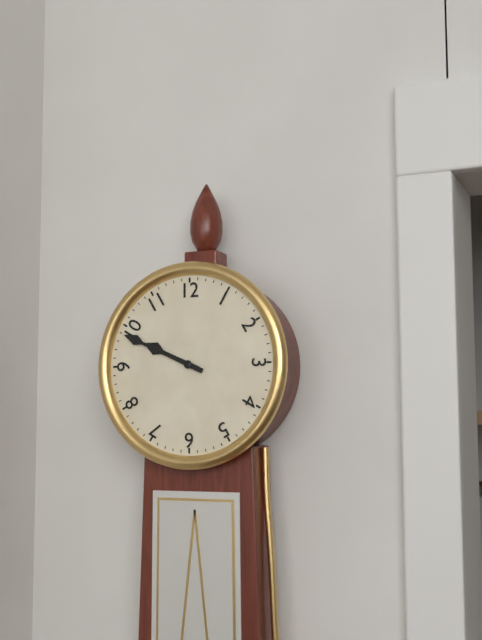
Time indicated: 9:49
